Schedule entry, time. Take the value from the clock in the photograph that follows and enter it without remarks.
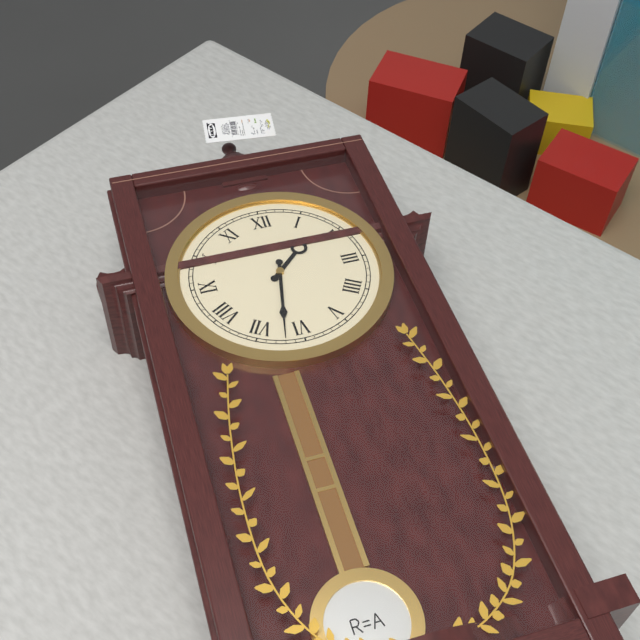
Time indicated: 1:32
